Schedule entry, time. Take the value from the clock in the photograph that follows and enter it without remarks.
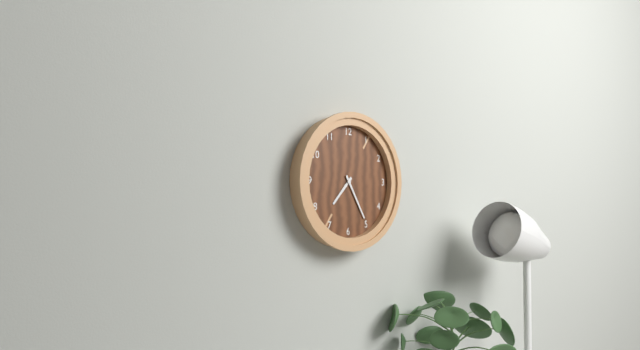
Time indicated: 7:25
